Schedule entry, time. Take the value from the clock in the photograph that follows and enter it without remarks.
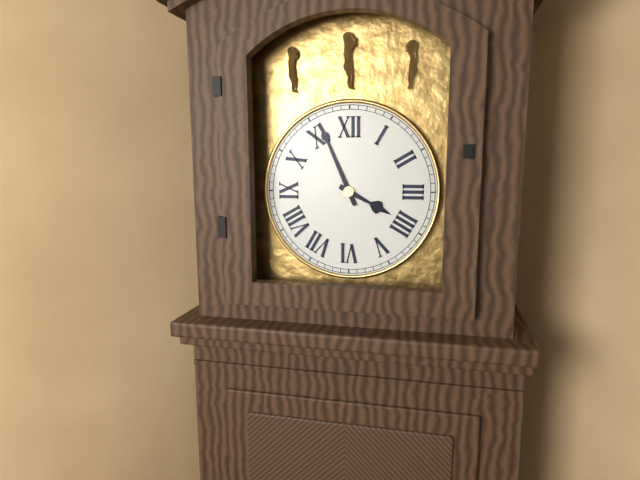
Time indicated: 3:56
